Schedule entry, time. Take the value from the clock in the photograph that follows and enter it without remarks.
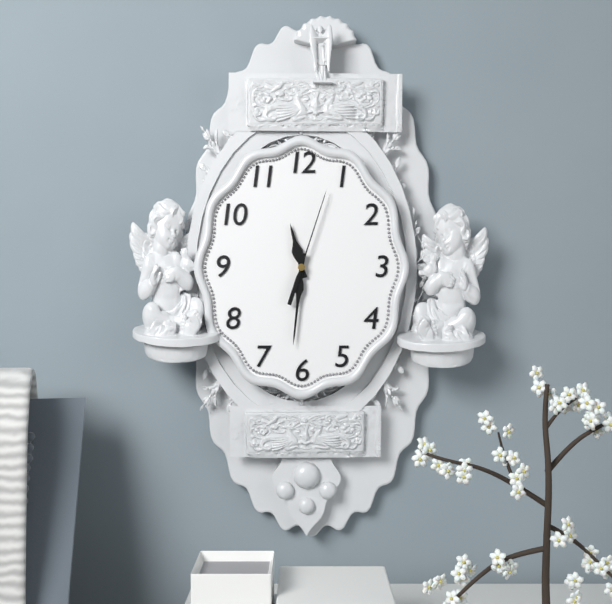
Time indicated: 11:31:03
